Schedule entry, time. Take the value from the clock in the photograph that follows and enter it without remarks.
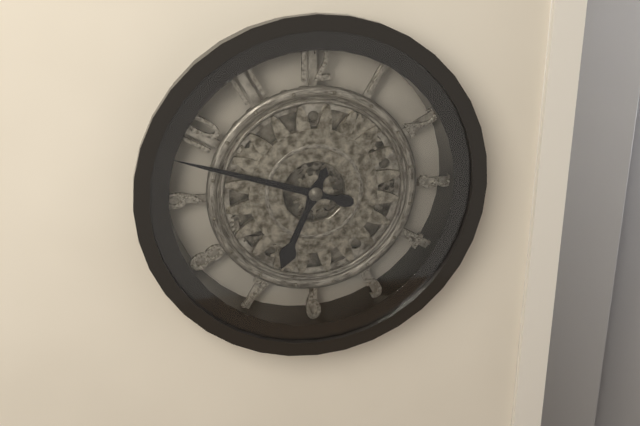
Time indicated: 6:48
